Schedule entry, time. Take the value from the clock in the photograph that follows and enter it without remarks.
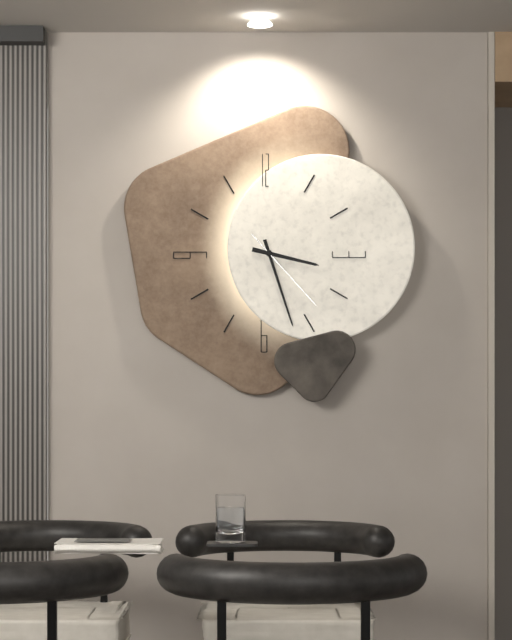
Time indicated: 3:27:23
